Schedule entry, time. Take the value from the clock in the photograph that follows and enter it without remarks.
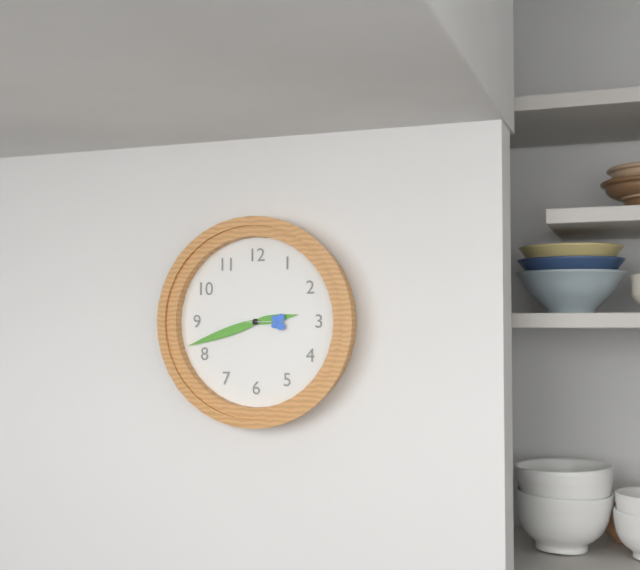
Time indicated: 2:42
